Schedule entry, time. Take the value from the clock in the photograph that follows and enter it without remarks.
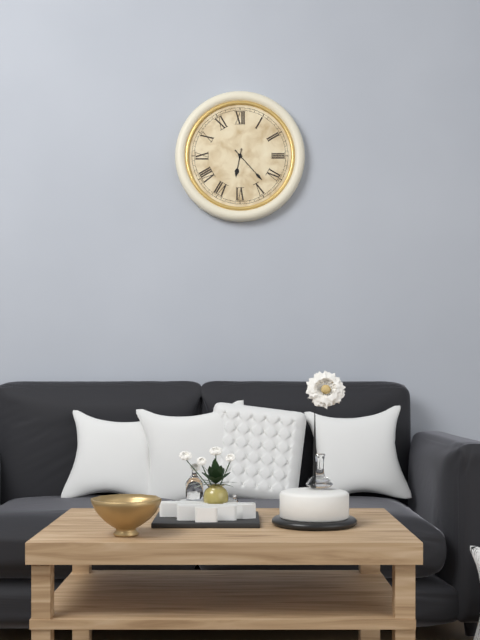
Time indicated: 6:23
